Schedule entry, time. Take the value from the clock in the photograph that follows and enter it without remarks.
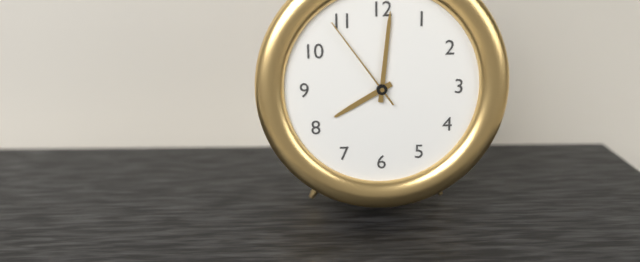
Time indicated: 8:01:54
